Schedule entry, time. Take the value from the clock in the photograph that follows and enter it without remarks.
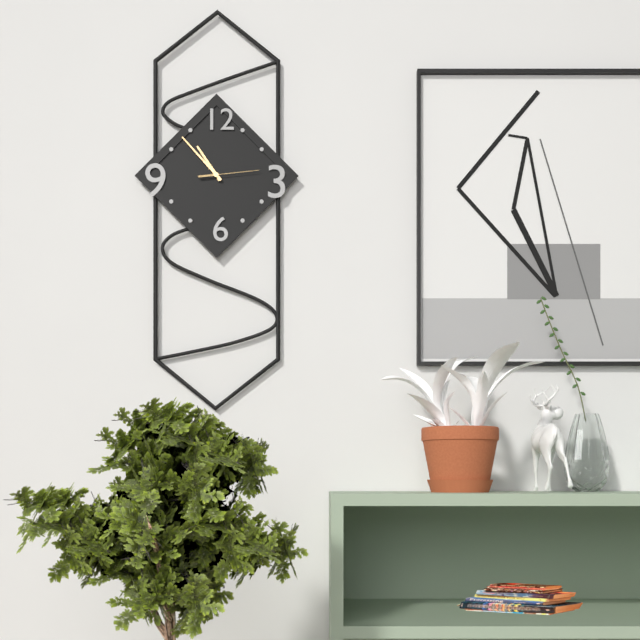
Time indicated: 10:53:14
